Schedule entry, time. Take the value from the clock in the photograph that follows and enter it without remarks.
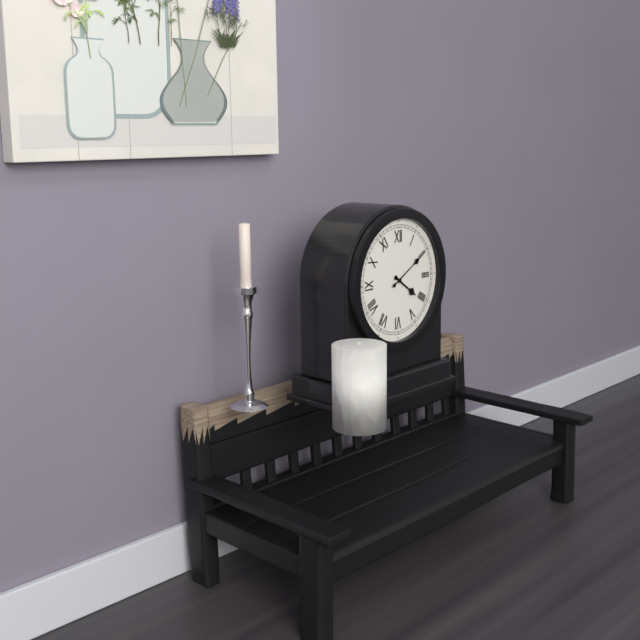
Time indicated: 4:10
